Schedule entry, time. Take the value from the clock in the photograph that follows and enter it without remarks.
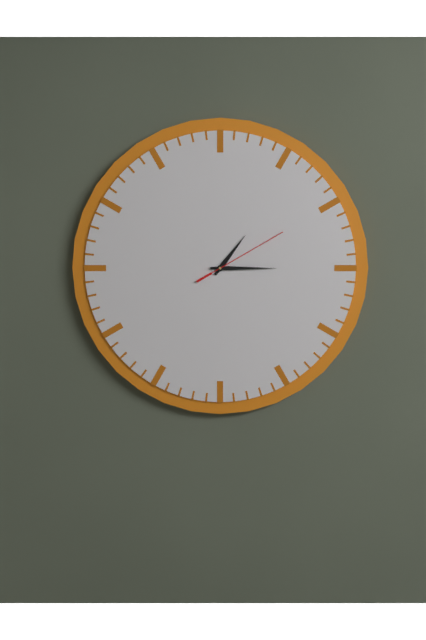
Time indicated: 1:15:10
